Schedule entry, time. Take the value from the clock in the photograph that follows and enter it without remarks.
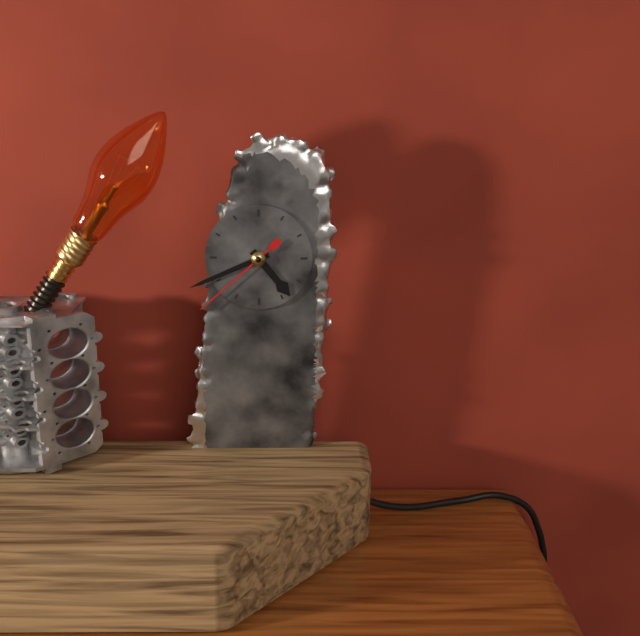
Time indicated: 4:41:38
